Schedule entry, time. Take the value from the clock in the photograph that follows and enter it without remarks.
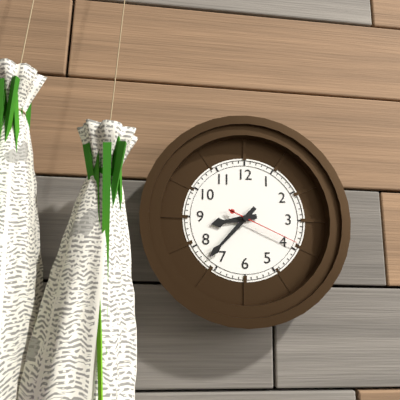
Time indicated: 8:37:19
